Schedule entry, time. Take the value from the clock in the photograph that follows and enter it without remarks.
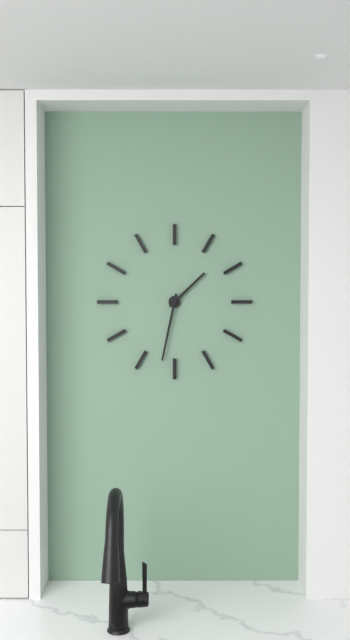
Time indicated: 1:32
